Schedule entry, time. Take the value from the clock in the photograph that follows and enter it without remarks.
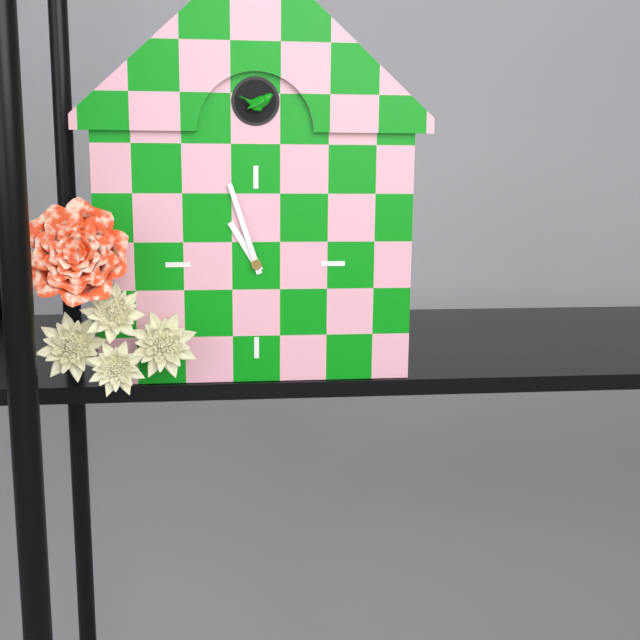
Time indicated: 10:57
